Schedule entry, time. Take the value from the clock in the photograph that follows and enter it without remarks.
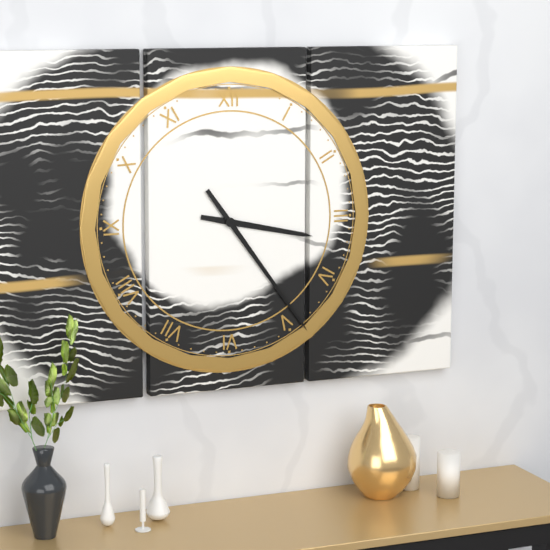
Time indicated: 3:24
